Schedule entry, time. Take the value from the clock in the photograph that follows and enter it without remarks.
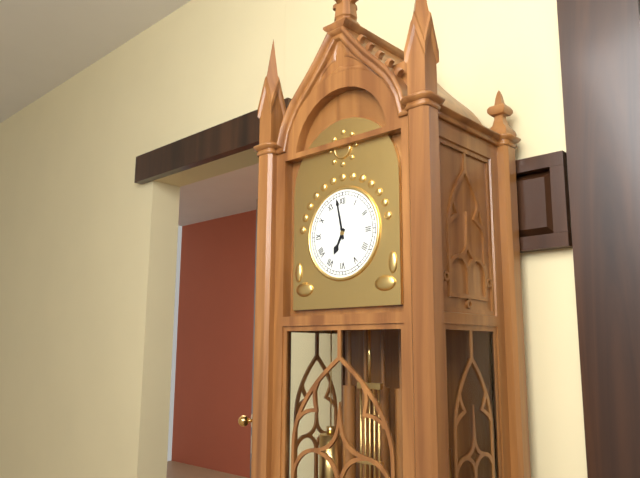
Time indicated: 6:58
